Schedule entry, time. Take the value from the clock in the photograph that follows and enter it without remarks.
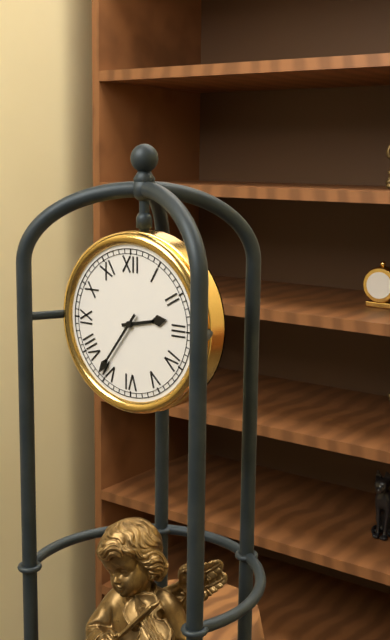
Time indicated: 2:36
